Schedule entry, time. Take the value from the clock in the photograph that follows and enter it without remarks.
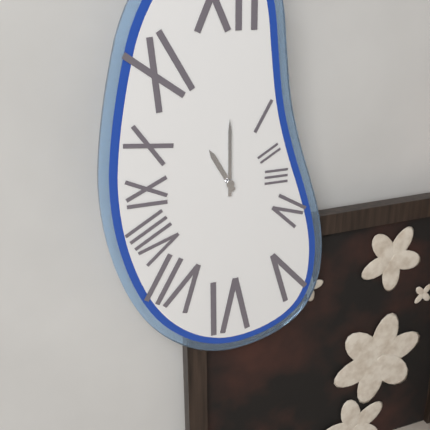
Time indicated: 11:00
